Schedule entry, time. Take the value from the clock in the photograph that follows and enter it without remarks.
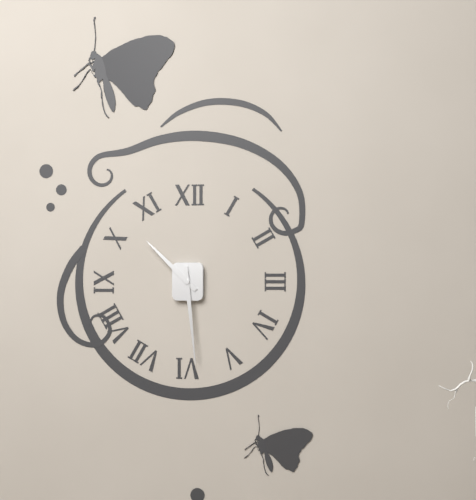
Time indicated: 10:29
